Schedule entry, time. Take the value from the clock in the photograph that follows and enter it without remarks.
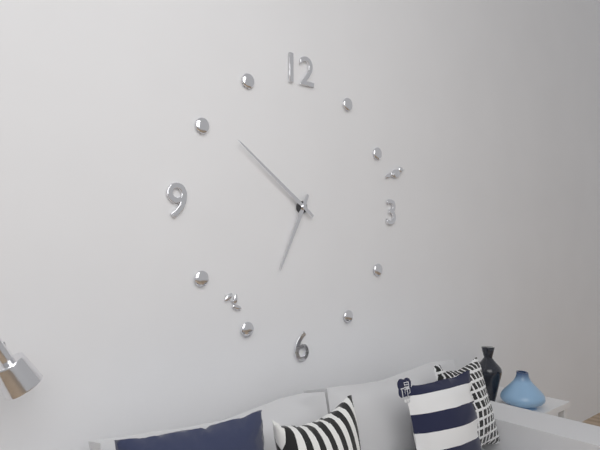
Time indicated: 6:51
